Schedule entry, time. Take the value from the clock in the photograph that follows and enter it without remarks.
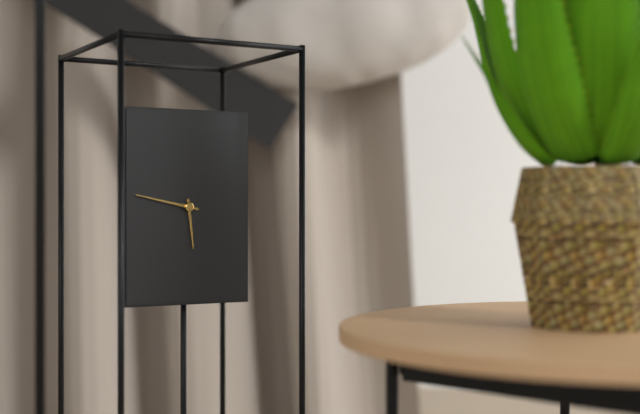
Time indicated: 5:47
